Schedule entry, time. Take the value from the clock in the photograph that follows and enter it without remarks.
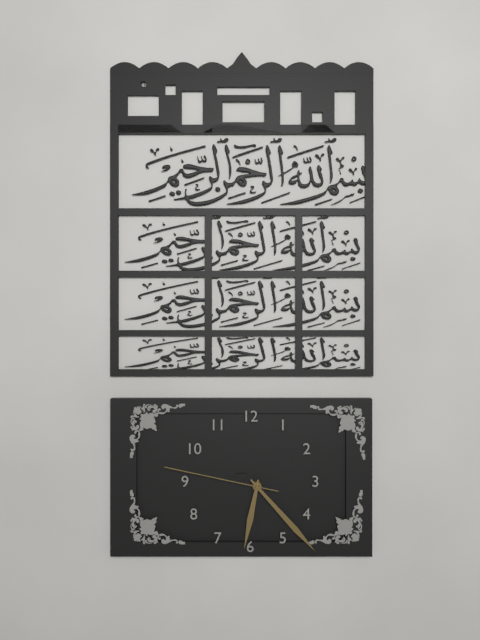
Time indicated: 6:23:47
